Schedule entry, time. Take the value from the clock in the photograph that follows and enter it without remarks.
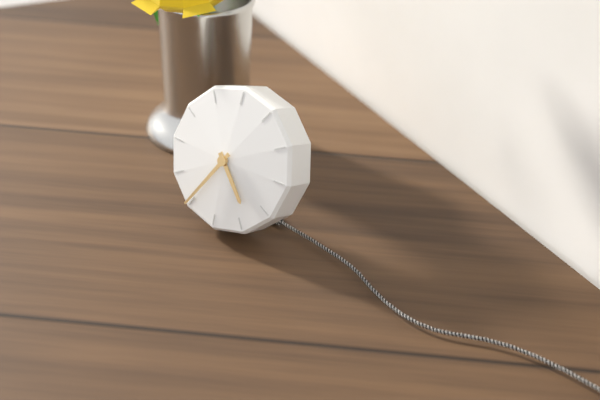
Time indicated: 4:35
